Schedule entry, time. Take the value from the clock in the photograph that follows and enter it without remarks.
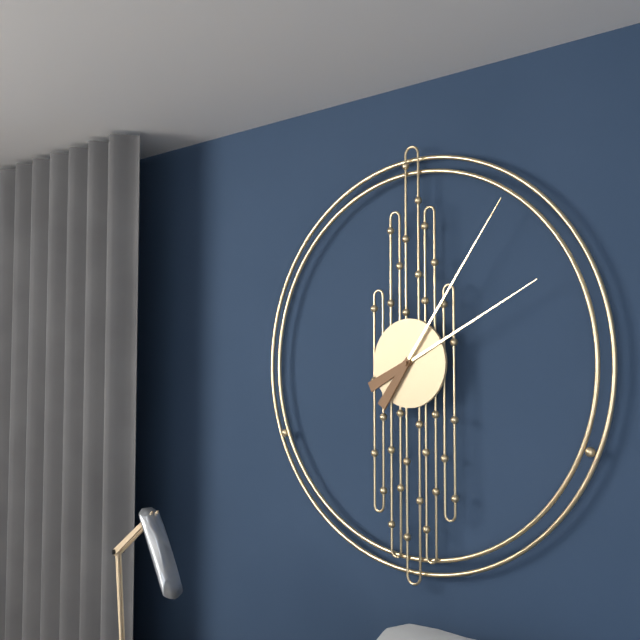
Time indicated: 2:06
